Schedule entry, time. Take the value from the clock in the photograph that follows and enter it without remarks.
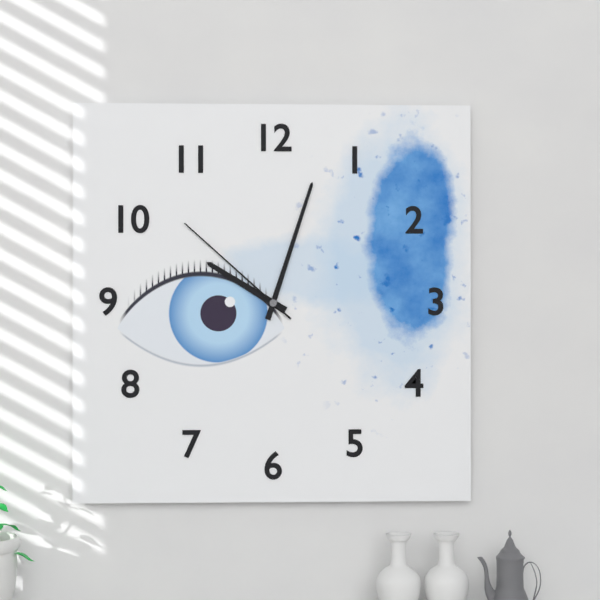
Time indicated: 10:03:52
